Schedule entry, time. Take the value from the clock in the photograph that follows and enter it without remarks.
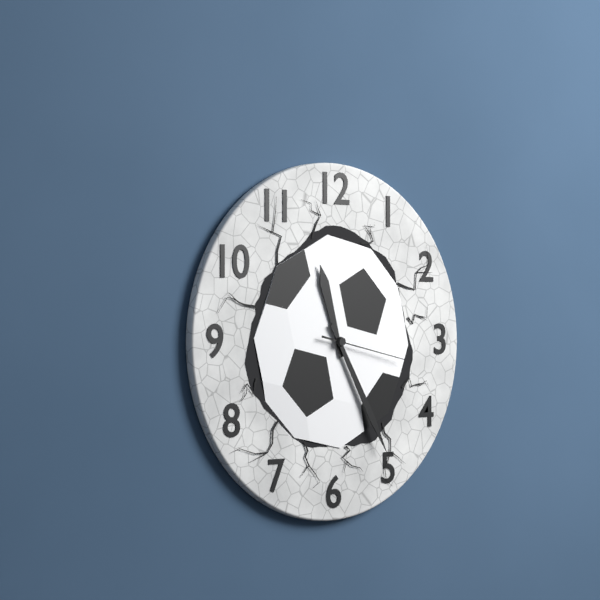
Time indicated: 11:25:17
